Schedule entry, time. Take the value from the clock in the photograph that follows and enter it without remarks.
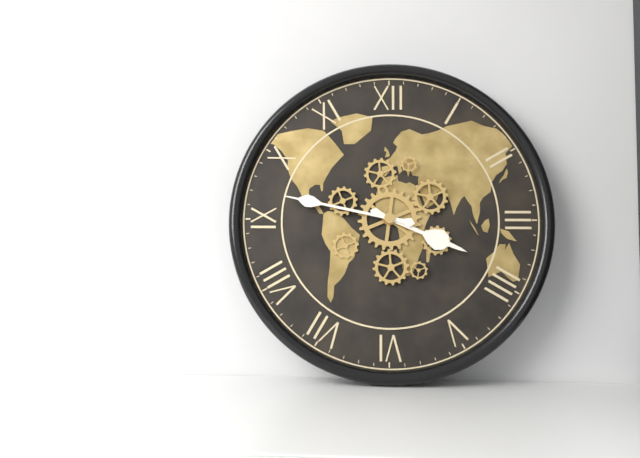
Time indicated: 3:47
